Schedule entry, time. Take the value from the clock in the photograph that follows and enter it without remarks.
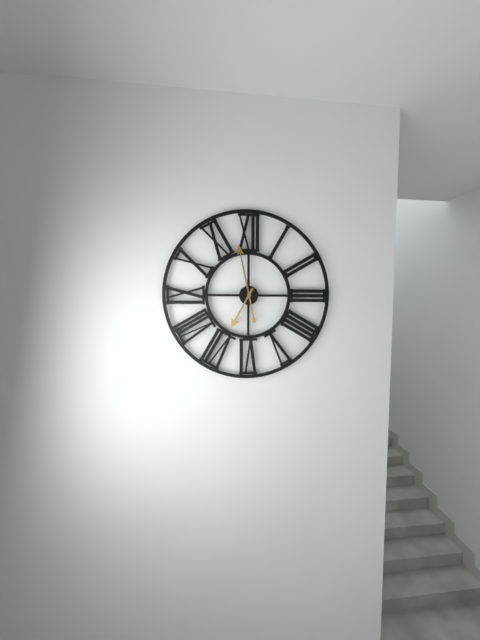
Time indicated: 6:58
